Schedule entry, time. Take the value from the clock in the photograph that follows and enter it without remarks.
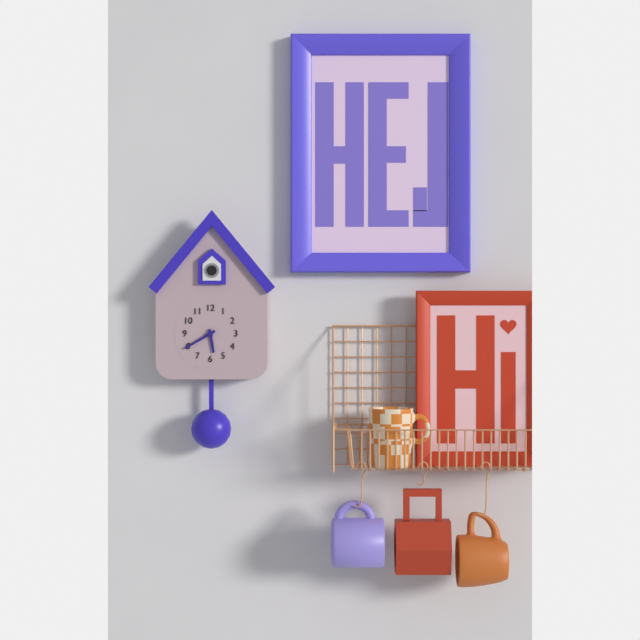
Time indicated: 5:40
